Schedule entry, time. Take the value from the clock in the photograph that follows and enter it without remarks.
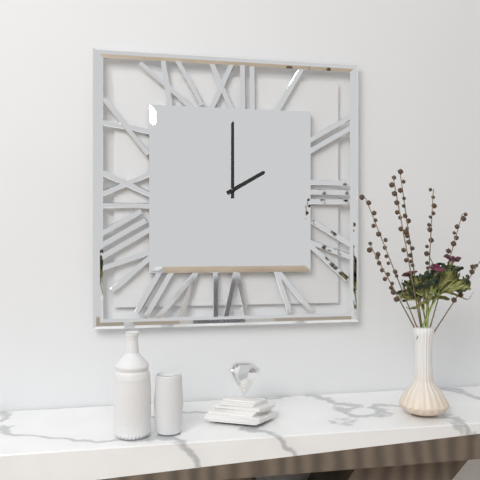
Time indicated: 2:00
